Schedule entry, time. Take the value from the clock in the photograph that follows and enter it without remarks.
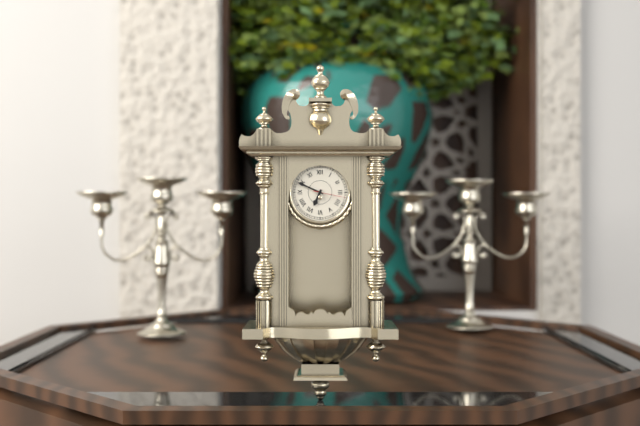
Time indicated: 6:49
